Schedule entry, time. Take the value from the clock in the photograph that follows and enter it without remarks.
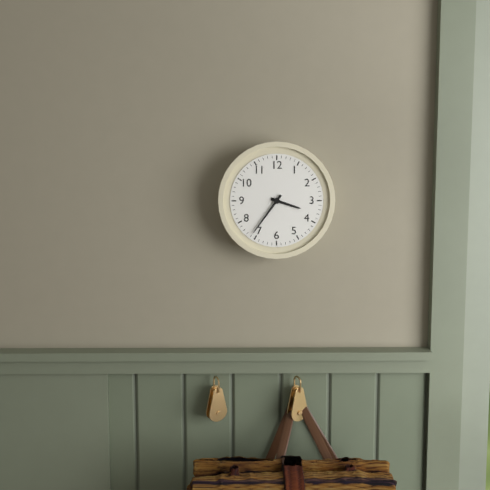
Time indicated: 3:36
